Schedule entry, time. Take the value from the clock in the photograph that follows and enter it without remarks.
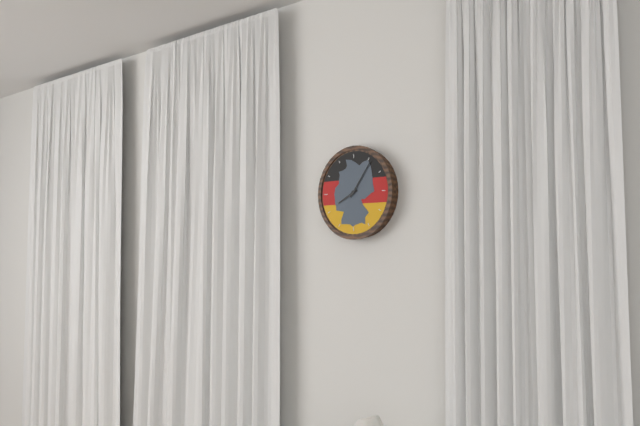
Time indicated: 8:06
